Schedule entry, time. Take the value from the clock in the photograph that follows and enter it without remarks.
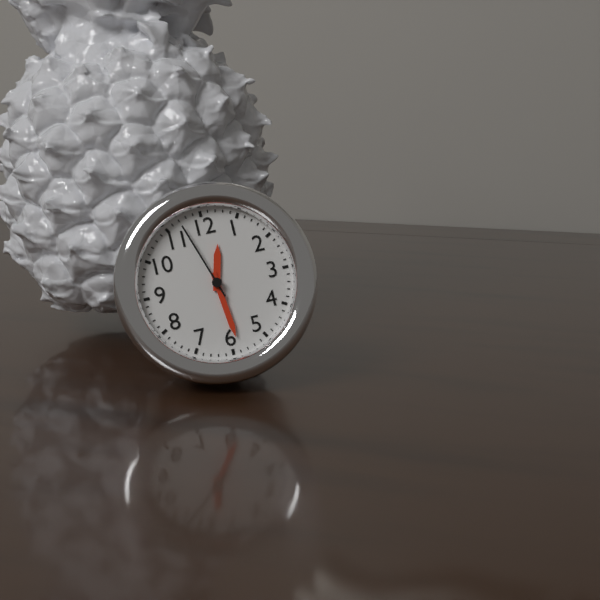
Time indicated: 12:29:57
